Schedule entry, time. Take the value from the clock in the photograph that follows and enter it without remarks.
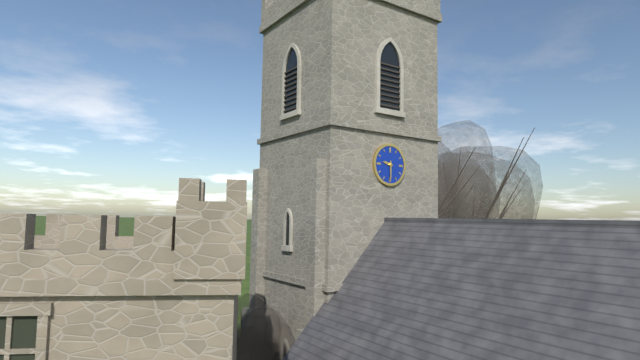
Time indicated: 9:30
